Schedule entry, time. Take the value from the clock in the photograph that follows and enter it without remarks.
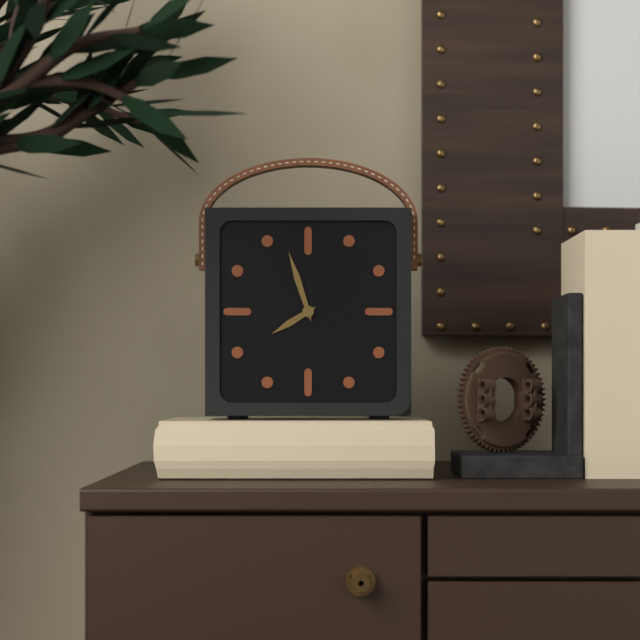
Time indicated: 7:57
